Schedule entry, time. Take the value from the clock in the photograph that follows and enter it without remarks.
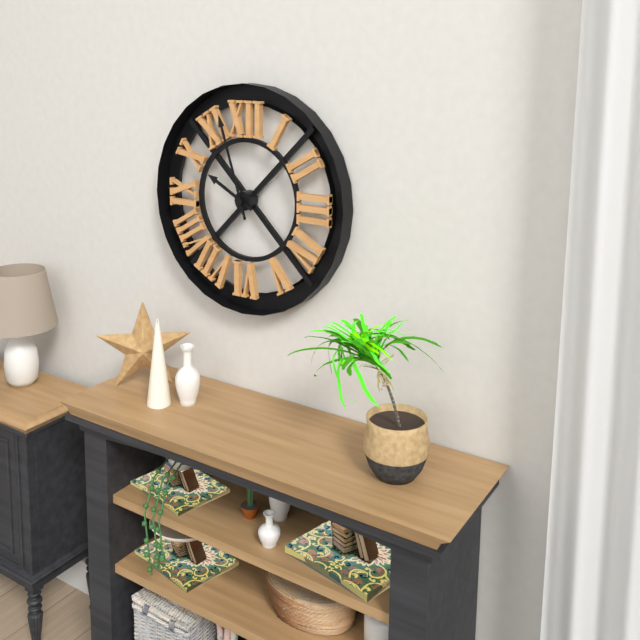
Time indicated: 9:57
